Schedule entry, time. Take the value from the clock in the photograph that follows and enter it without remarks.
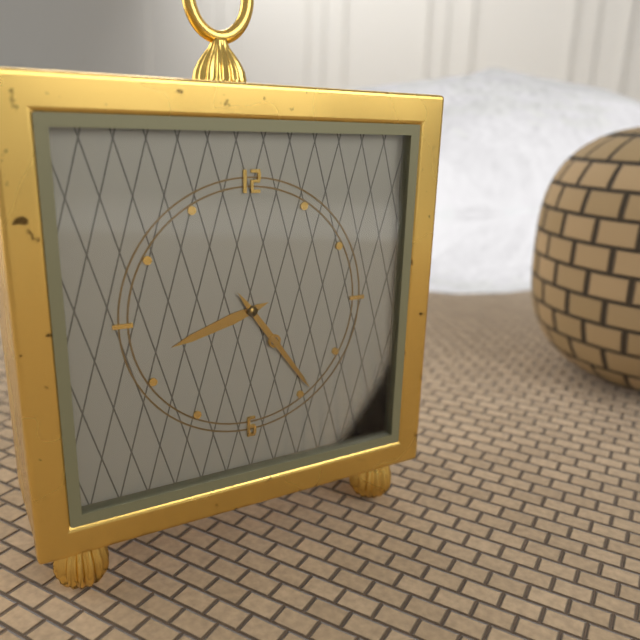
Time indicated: 8:24
